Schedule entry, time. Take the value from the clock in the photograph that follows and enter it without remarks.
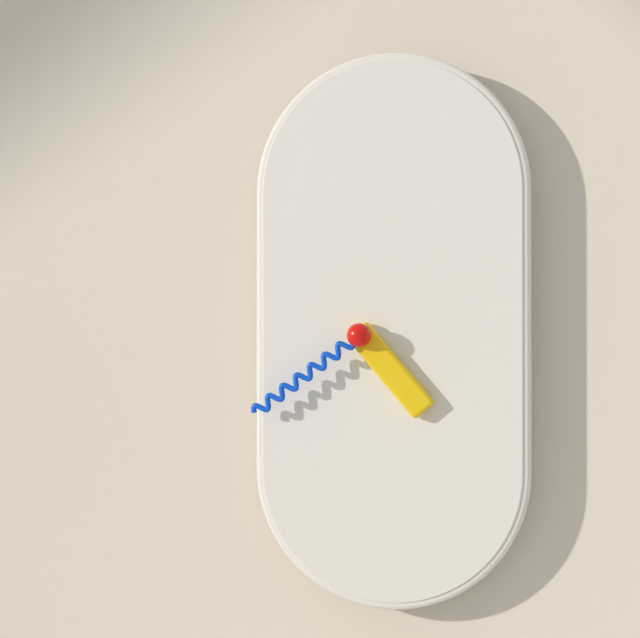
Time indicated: 4:39
